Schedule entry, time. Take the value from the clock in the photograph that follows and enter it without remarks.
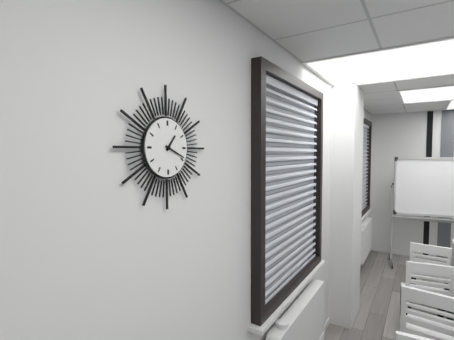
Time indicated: 1:19
